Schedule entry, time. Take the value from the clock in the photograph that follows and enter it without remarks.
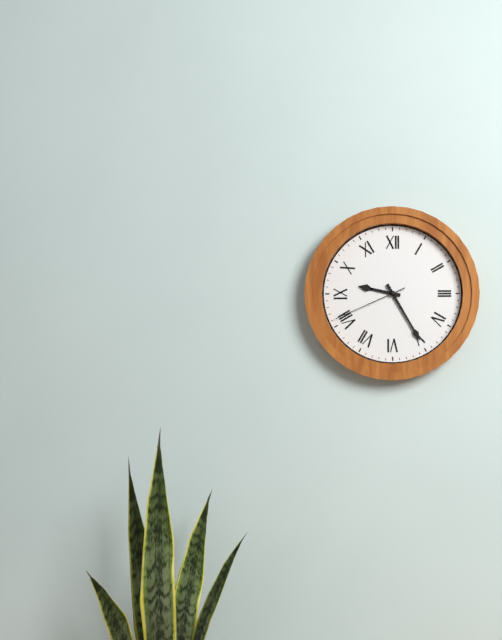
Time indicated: 9:25:41
